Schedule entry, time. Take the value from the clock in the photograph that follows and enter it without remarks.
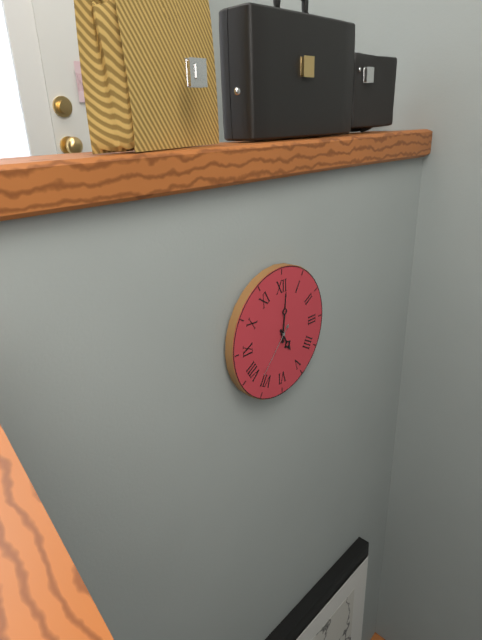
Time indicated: 5:01:37
